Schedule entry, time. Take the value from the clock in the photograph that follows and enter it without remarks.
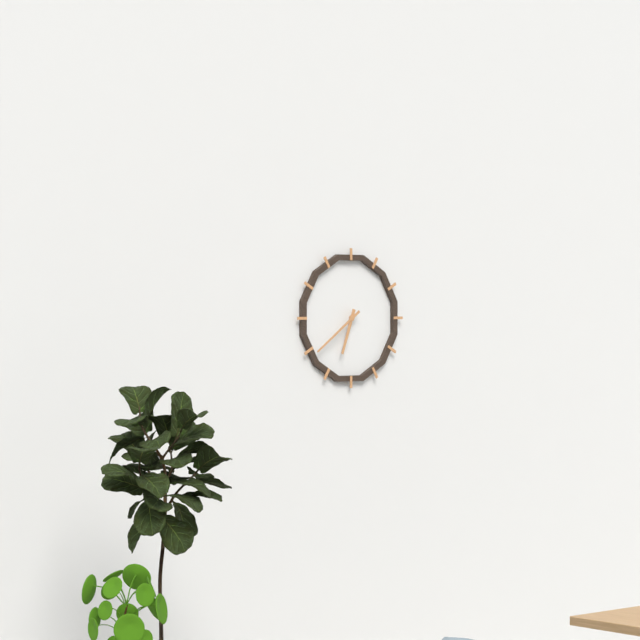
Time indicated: 6:39
